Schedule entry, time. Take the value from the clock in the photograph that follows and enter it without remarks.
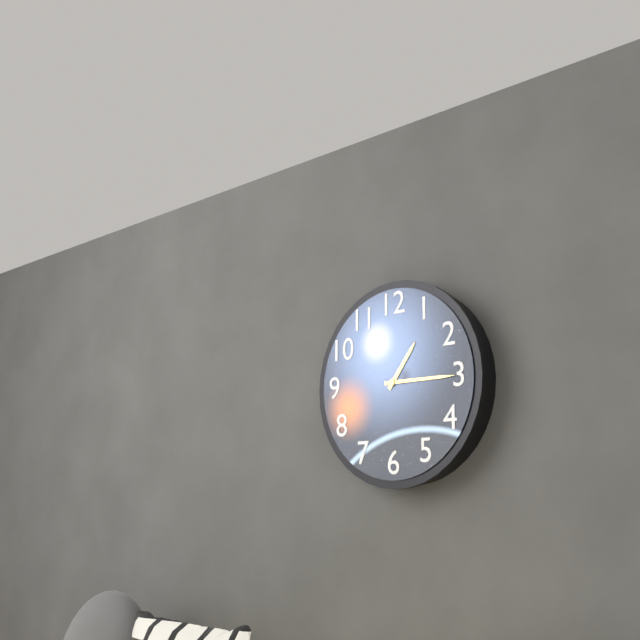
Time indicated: 1:15
